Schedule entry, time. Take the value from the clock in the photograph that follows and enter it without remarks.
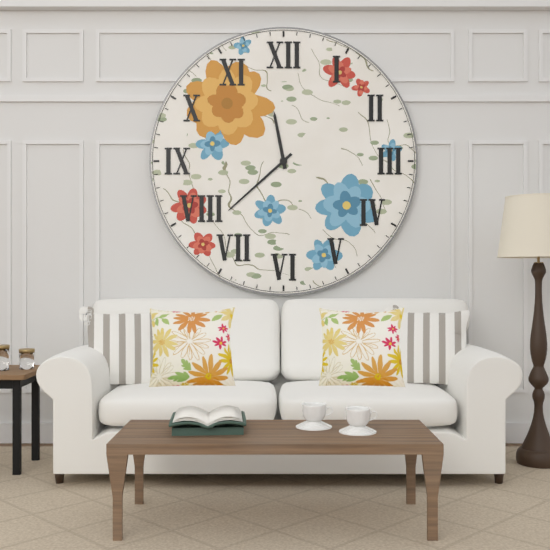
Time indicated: 11:38
